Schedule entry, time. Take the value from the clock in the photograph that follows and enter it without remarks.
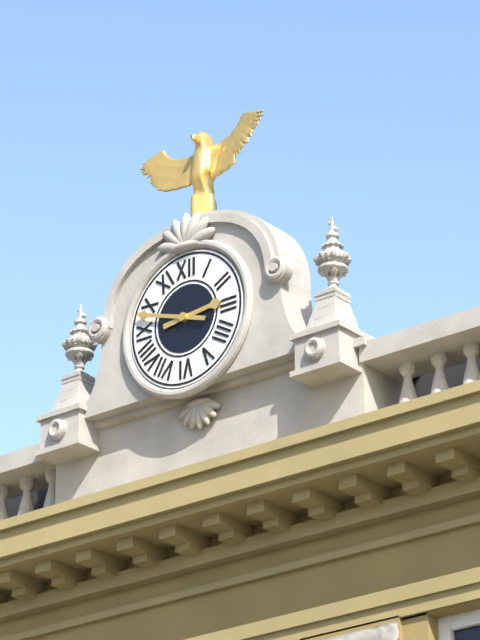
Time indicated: 2:48
